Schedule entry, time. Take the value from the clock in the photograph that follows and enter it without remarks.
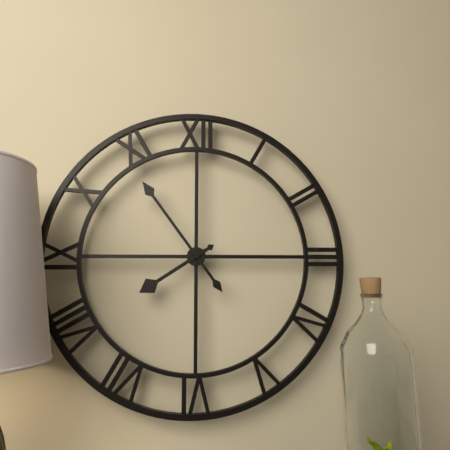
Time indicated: 7:54
